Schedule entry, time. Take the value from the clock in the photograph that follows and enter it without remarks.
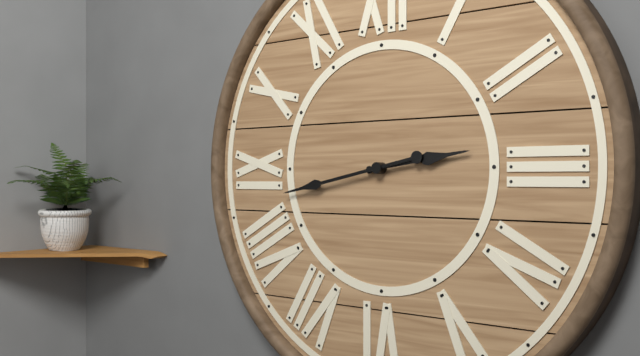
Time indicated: 2:43
